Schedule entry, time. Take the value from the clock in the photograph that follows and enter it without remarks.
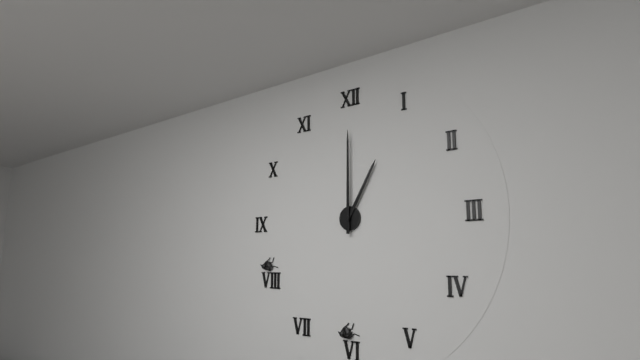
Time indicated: 1:00
